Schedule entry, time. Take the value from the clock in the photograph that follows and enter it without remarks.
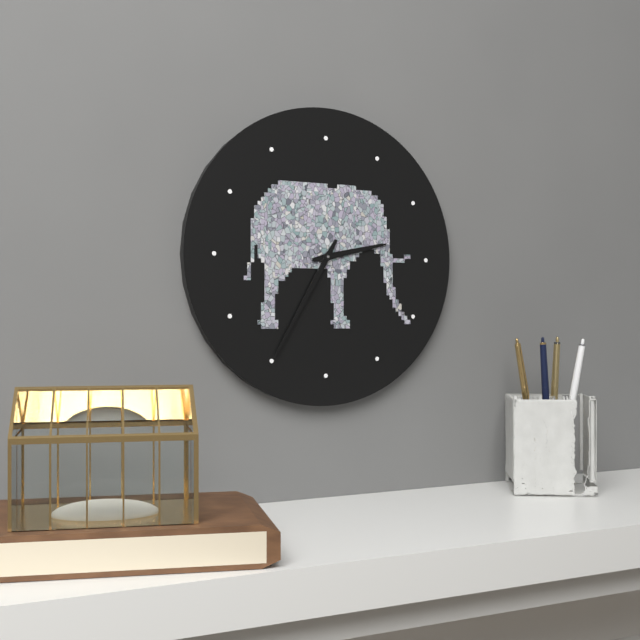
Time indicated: 2:35
